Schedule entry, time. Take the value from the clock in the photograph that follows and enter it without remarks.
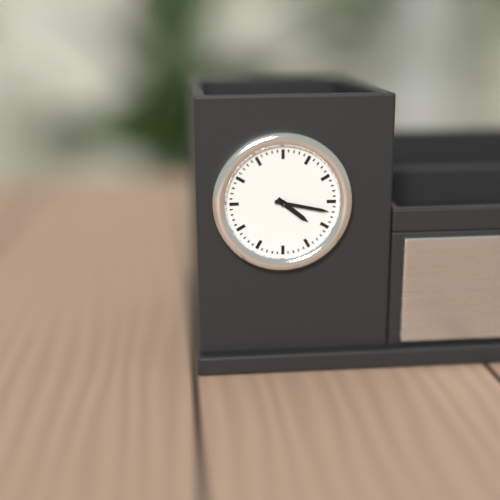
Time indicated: 4:17
